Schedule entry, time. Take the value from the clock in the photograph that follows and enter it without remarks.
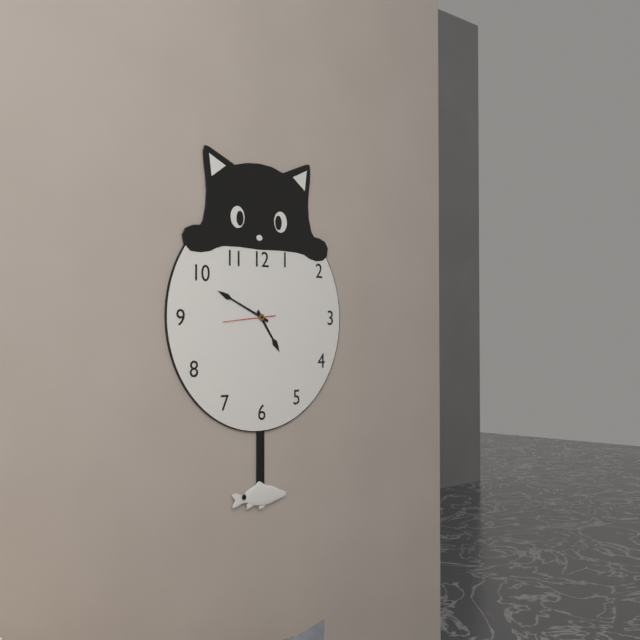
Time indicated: 4:49
